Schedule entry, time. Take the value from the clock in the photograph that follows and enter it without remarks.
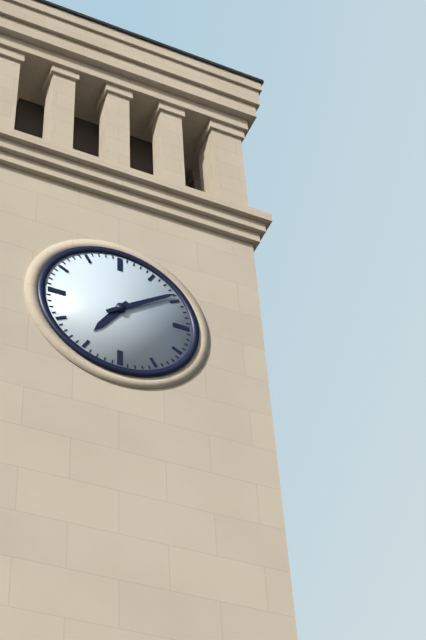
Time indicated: 7:09
